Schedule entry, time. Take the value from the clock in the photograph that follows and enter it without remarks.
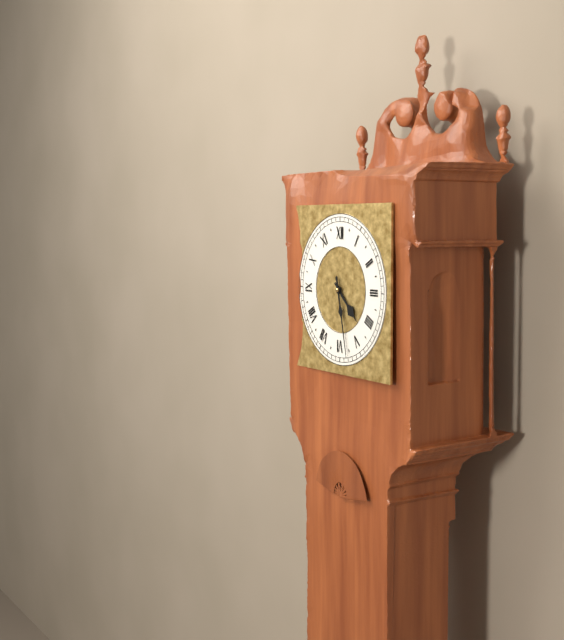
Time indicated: 4:28
